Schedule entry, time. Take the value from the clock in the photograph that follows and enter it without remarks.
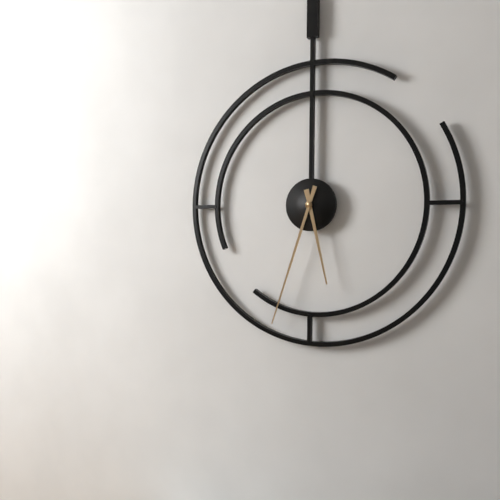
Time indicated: 5:33
